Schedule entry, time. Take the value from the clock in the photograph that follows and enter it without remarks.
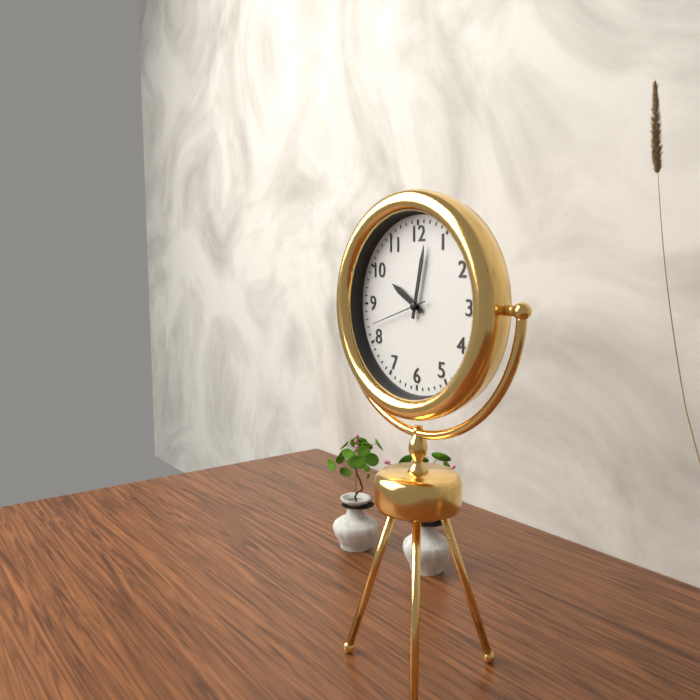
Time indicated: 10:02:42
